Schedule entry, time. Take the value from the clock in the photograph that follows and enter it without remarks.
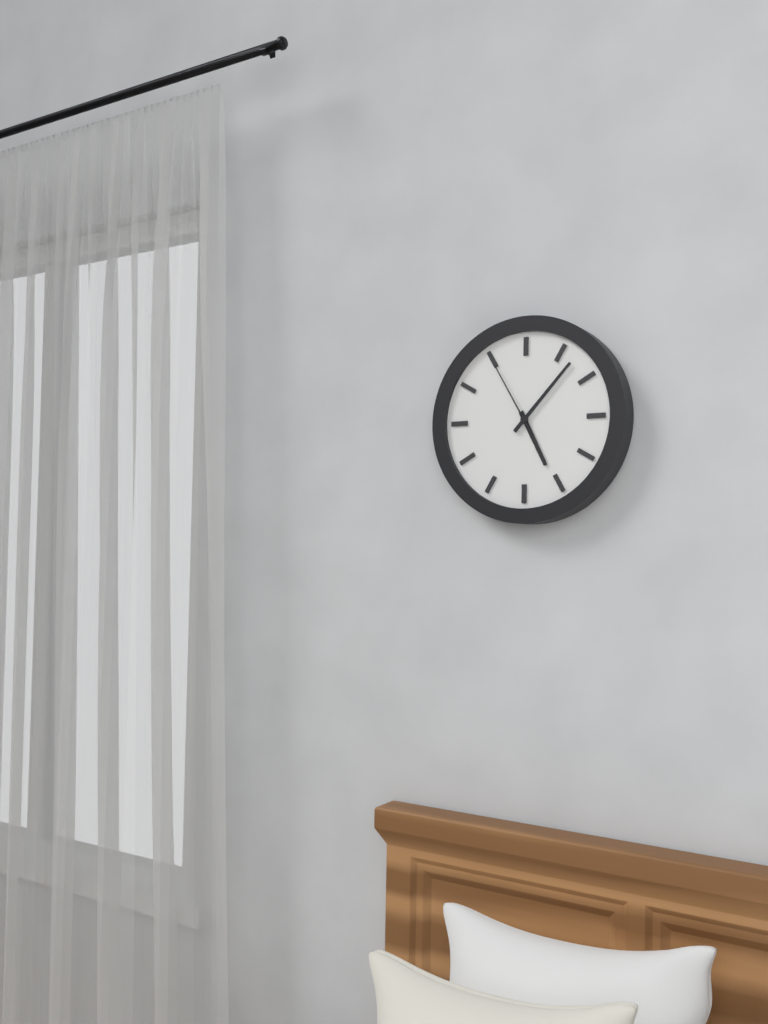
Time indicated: 5:07:55
